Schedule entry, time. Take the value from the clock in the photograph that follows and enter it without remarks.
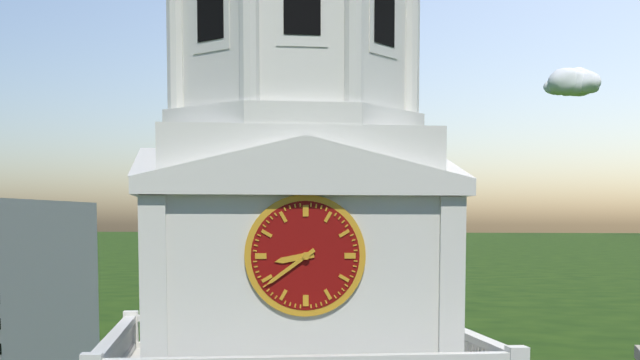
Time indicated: 8:39
